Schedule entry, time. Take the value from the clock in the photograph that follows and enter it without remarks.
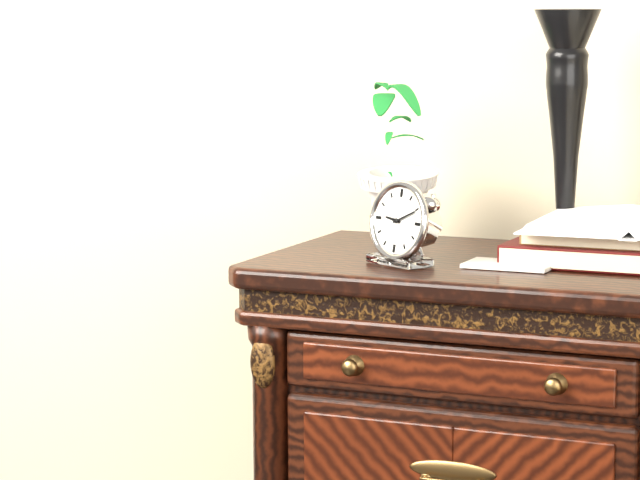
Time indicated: 9:11
